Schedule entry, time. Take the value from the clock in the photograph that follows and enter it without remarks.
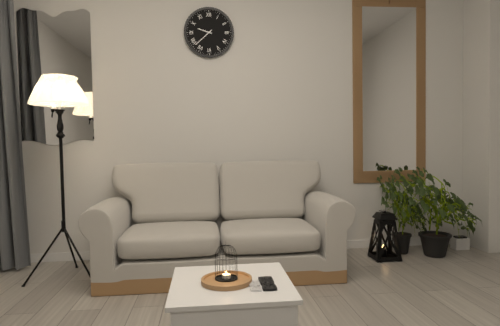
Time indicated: 9:38
